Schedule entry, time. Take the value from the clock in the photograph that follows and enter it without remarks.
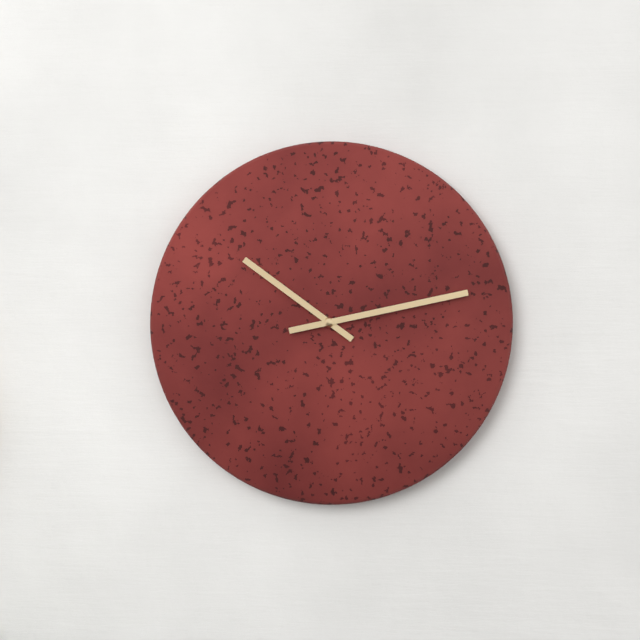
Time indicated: 10:13
